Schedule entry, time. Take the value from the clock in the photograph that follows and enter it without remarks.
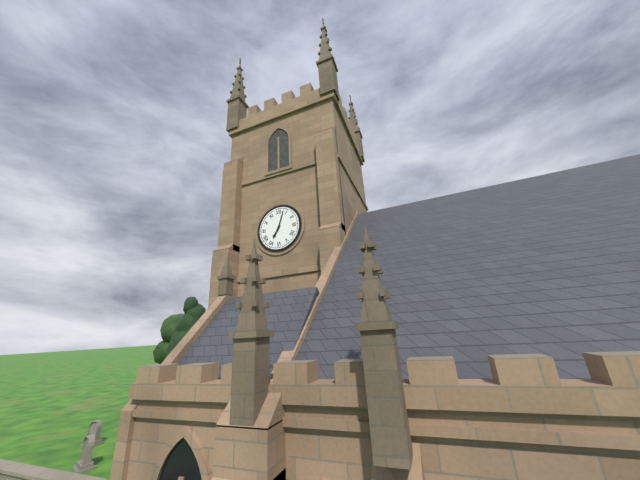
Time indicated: 7:03
